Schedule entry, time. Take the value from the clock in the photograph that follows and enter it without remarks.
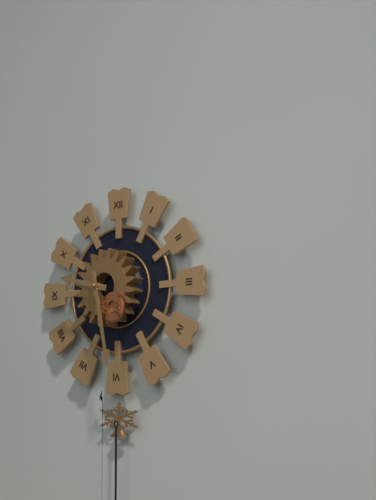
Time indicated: 9:28
